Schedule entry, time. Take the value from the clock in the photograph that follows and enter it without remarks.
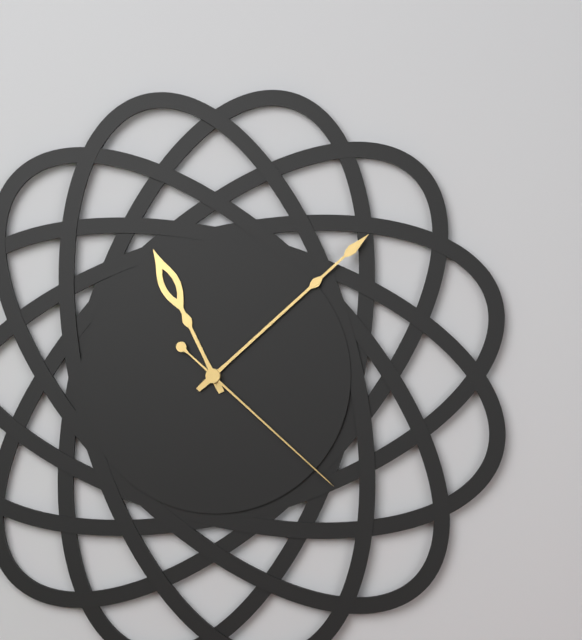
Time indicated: 11:08:22
